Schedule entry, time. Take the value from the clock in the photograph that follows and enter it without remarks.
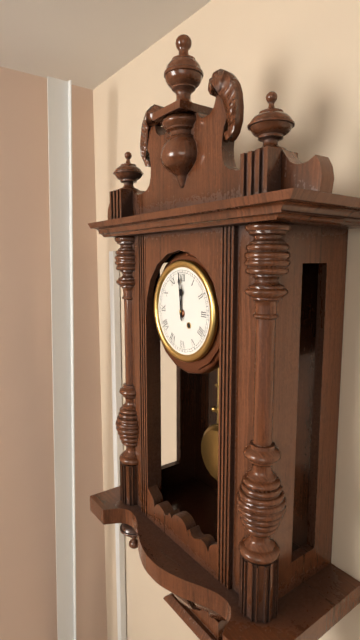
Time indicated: 11:59
